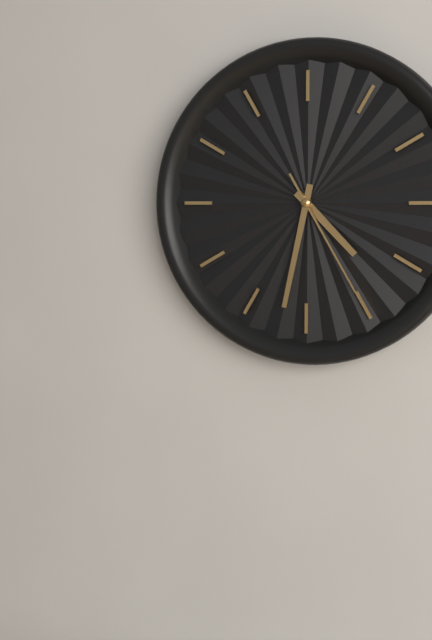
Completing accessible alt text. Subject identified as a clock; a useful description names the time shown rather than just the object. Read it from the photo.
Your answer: 4:32:25
